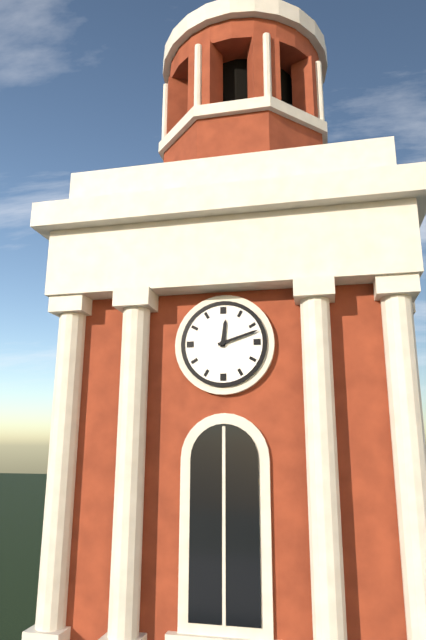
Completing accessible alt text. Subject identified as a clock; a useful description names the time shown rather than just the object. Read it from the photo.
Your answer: 12:12
